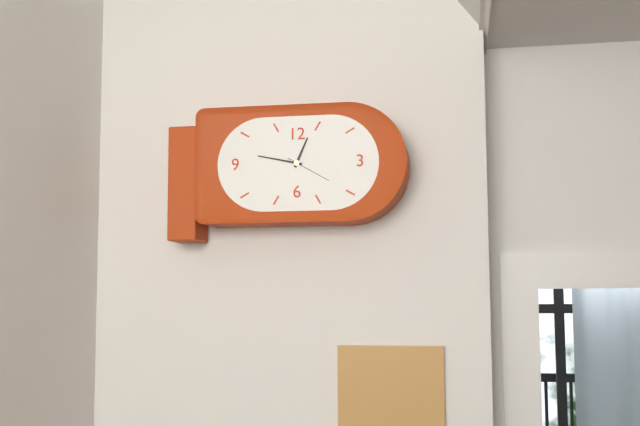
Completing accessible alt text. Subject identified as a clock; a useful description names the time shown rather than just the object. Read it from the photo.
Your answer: 12:47
